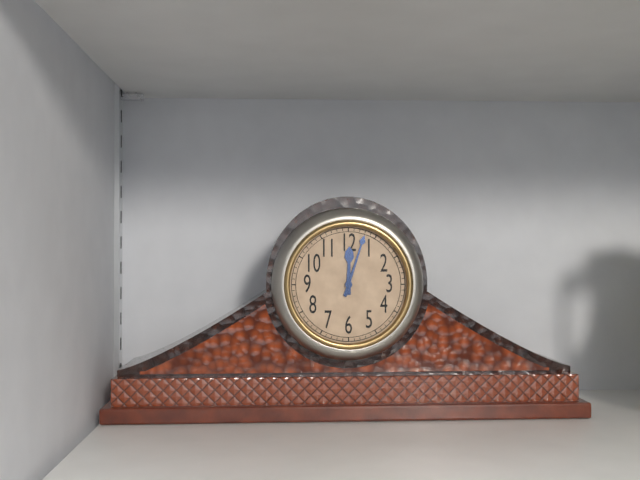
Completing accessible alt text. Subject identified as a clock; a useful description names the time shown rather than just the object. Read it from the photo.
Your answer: 12:03
